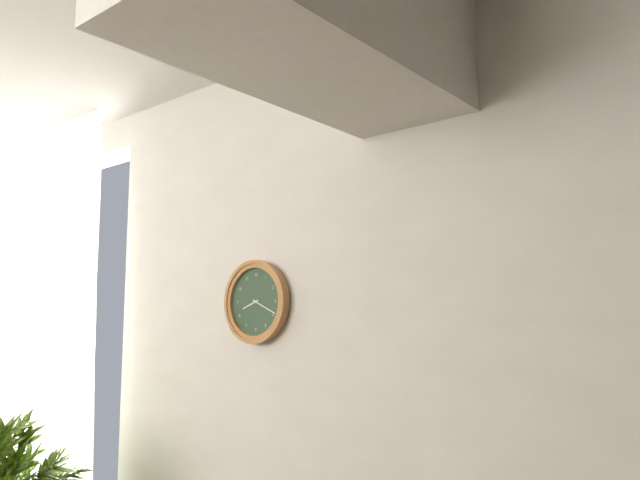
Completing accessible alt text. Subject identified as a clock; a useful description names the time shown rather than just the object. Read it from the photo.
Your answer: 8:19
